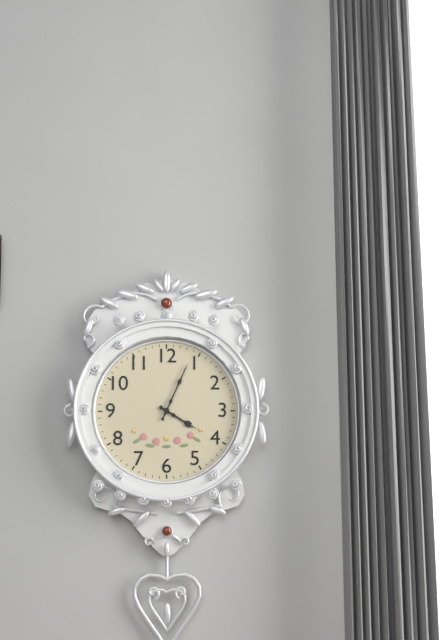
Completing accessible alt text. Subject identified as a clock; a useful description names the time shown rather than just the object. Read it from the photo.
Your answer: 4:04
